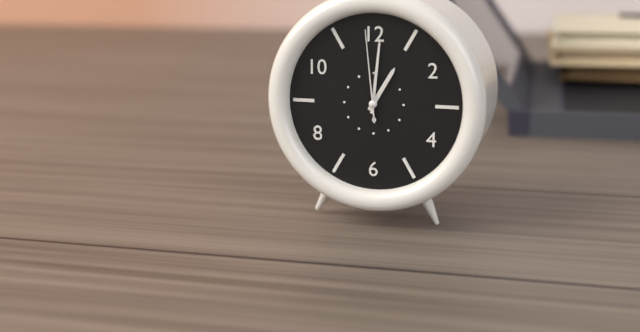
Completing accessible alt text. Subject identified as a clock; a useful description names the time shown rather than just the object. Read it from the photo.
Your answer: 1:01:59
